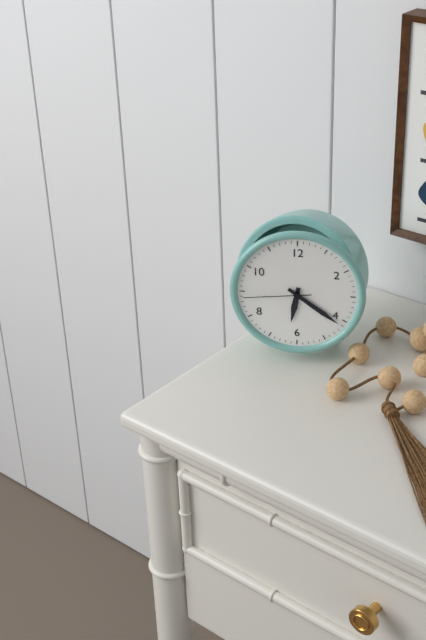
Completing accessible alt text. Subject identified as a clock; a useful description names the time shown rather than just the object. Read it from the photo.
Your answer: 6:21:44
